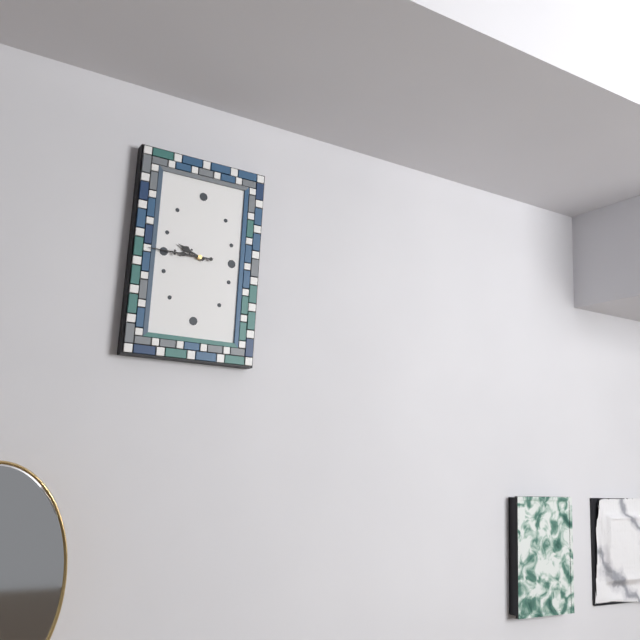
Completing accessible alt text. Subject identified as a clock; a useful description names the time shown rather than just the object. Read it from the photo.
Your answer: 9:45
